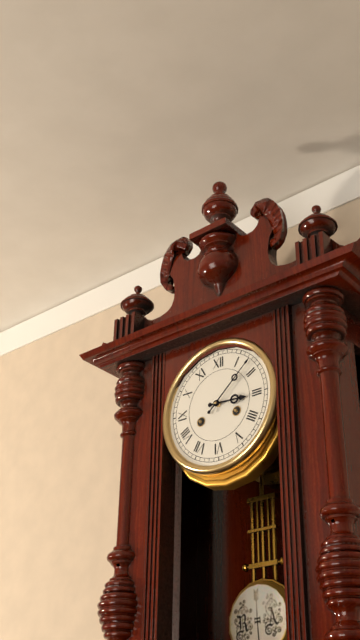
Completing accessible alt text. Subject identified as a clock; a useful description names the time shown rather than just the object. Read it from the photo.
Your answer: 3:08
